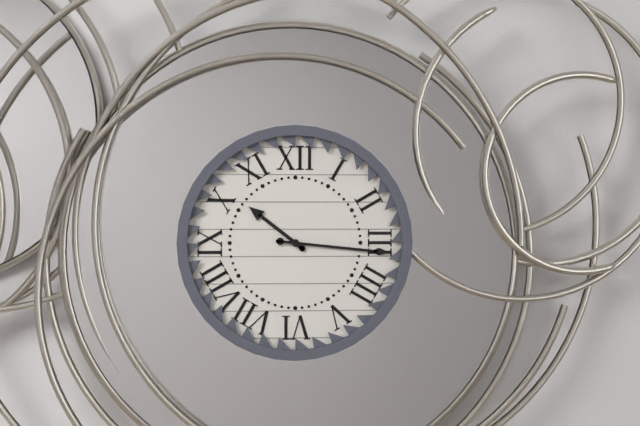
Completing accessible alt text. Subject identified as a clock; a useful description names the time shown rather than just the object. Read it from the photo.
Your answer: 10:16
